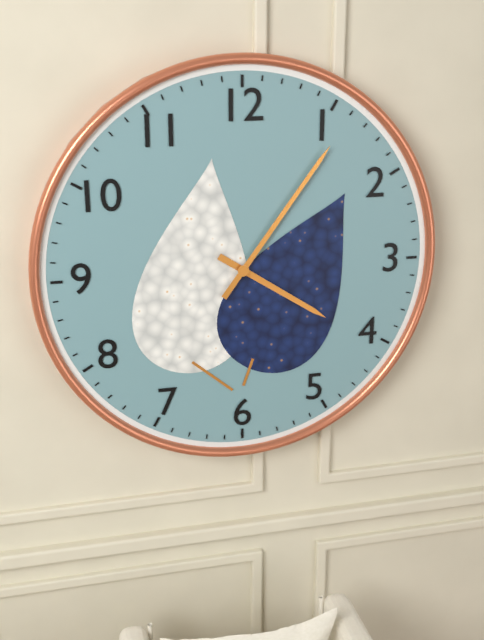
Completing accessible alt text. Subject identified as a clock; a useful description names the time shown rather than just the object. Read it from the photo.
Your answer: 4:06
